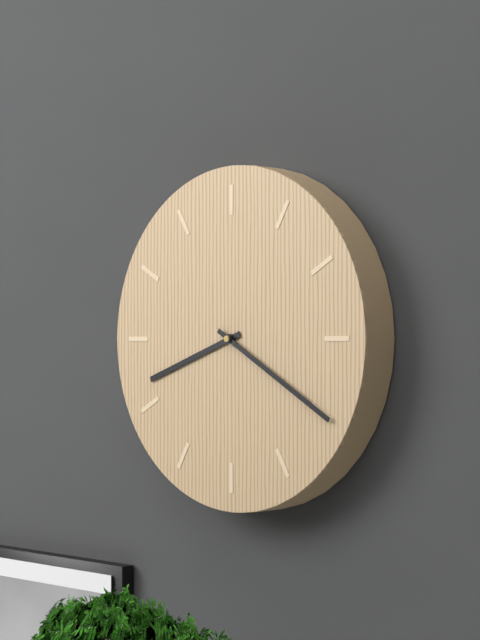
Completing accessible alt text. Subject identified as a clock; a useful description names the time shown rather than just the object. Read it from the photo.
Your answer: 8:20
